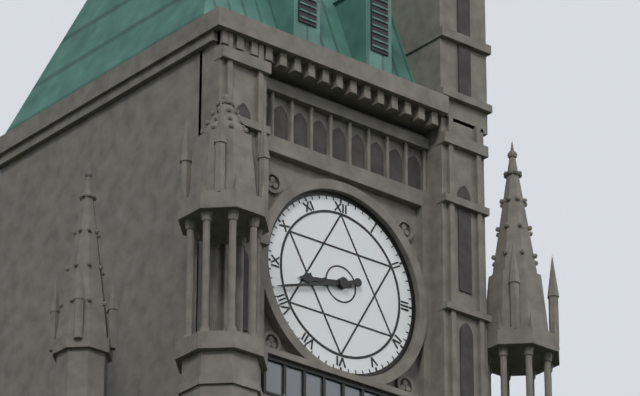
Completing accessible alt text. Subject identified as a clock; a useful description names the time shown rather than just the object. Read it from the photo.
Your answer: 8:42
